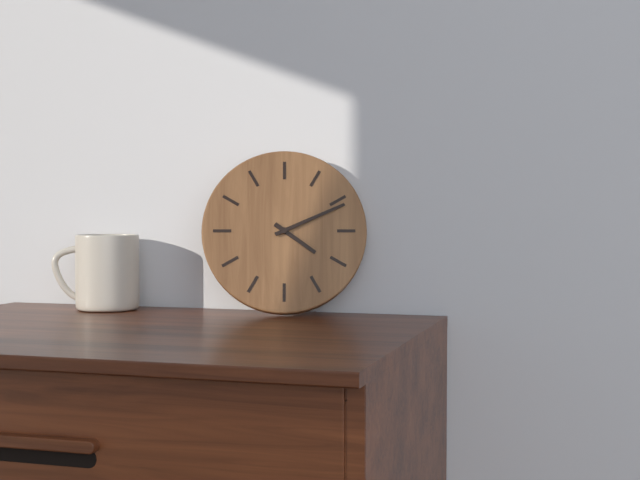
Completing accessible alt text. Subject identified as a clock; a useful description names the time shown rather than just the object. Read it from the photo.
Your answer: 4:11
